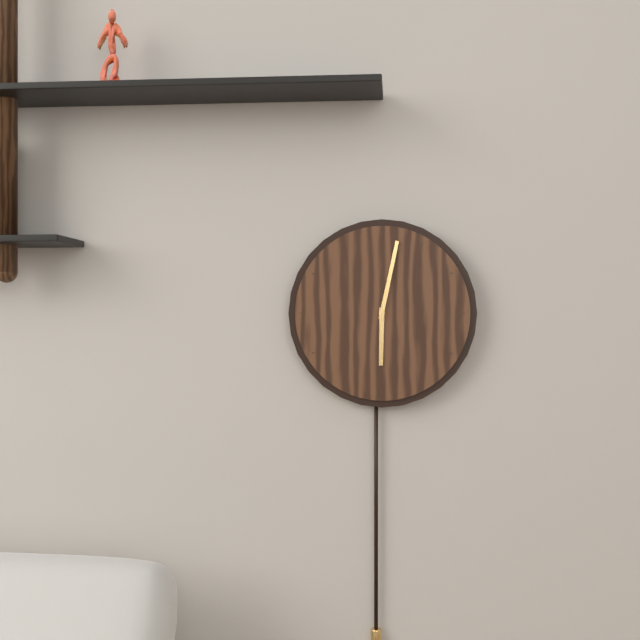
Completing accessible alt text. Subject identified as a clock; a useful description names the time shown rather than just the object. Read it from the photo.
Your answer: 6:02
